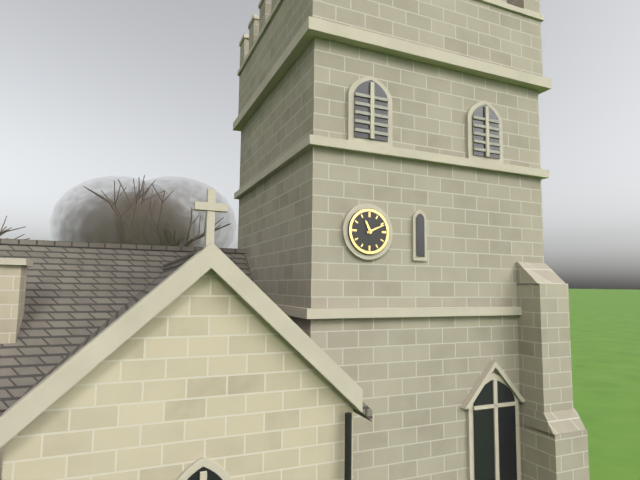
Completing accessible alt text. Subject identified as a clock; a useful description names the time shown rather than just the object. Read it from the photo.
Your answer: 11:11
